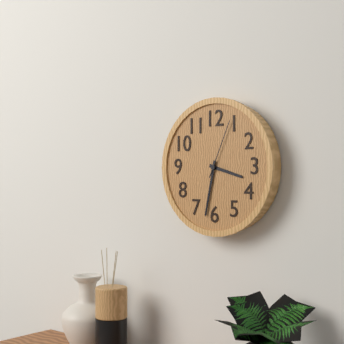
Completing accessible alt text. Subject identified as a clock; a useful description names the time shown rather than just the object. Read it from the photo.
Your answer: 3:32:04
